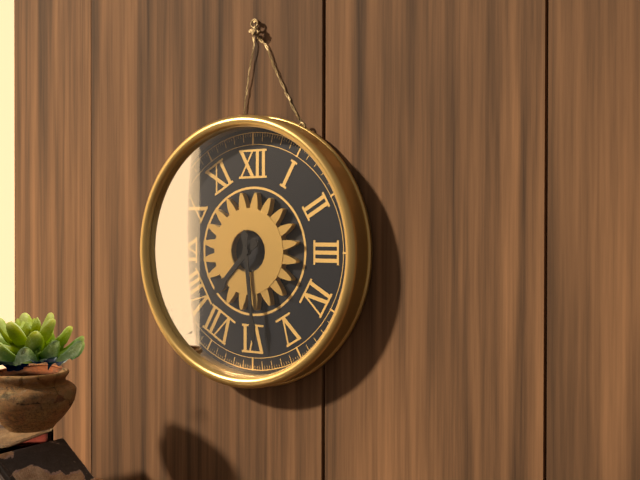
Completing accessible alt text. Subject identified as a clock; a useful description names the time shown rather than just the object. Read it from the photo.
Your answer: 7:29
